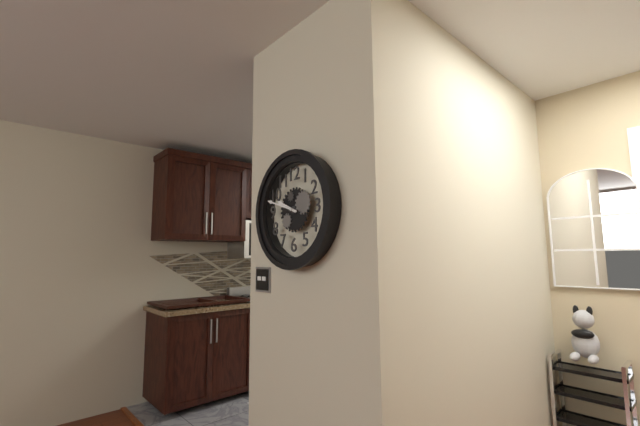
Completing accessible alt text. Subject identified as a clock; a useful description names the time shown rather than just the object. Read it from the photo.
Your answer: 9:48
